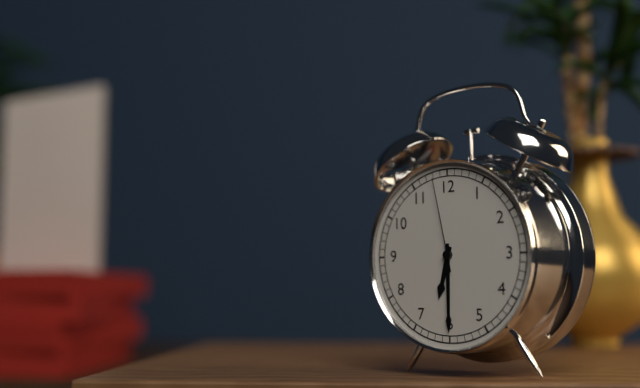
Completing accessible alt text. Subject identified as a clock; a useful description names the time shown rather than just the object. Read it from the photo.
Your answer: 6:30:58
